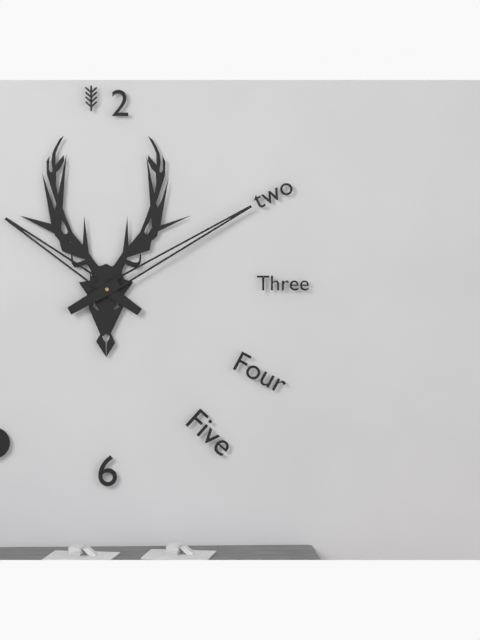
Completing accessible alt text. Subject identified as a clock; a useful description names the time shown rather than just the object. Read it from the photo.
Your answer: 10:10
